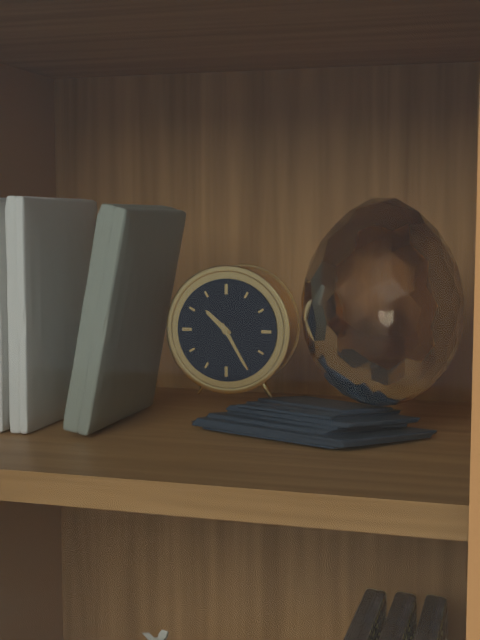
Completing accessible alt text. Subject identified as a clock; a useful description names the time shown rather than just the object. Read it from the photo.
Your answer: 10:25
